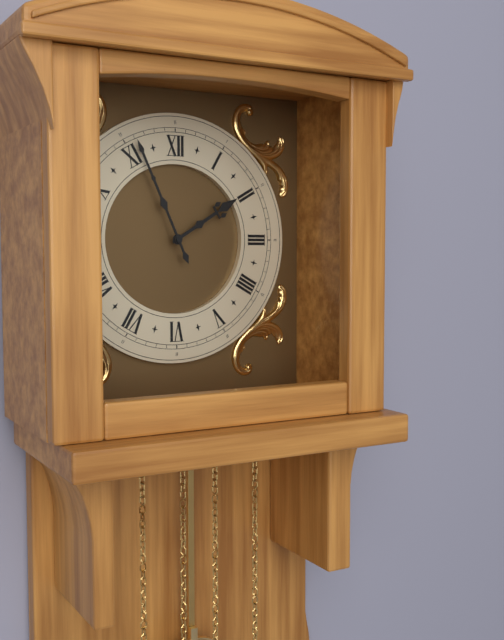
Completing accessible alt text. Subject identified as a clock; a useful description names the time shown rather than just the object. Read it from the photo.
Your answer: 1:56
